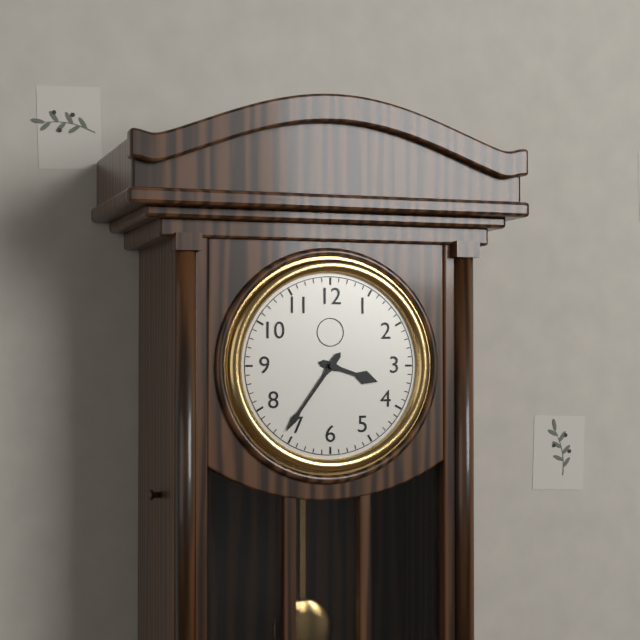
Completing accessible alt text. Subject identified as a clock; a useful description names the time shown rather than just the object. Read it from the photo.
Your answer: 3:36
